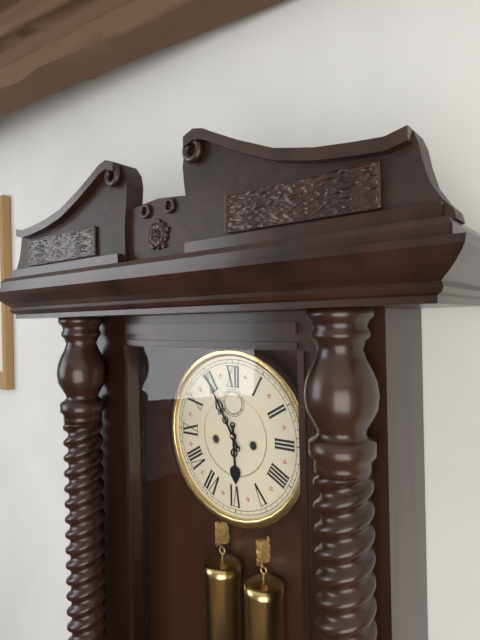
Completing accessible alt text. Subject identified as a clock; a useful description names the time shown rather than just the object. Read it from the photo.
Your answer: 5:55
